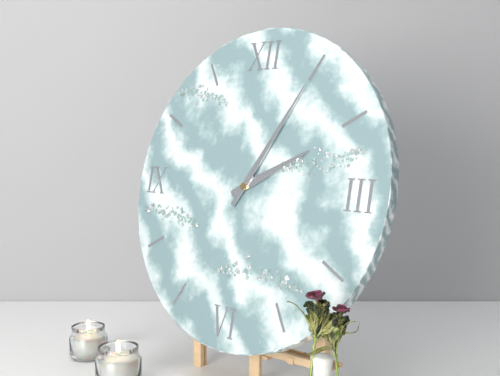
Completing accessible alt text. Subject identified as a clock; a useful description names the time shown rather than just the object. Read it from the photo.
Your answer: 2:05
